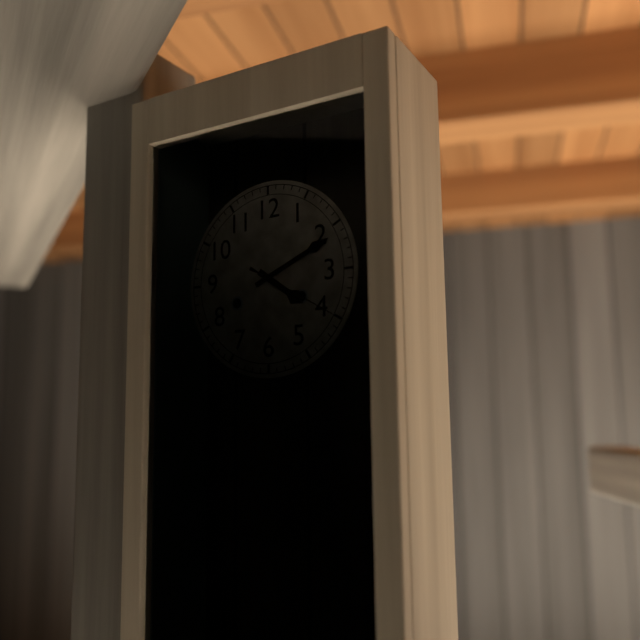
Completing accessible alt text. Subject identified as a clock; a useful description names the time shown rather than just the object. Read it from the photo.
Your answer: 4:11:20
